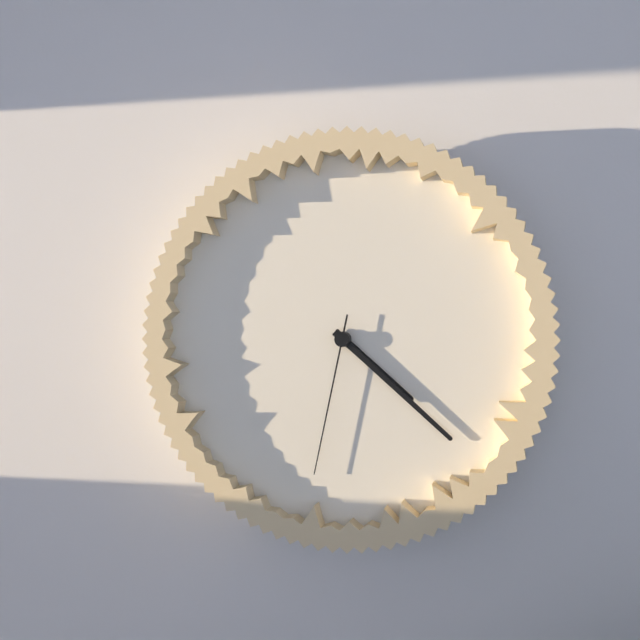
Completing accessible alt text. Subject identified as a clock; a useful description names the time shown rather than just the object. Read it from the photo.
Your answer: 4:22:32
